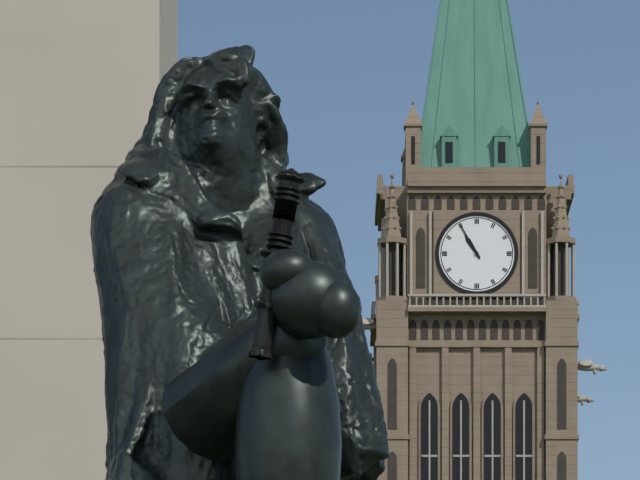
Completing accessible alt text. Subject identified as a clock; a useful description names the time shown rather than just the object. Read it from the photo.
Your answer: 10:55
